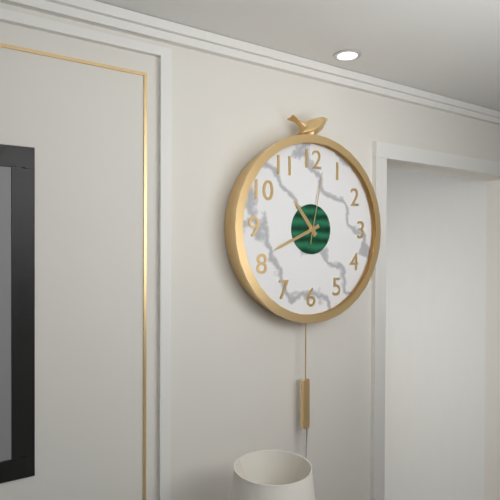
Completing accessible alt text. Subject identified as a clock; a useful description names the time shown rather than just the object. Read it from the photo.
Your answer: 10:41:02
